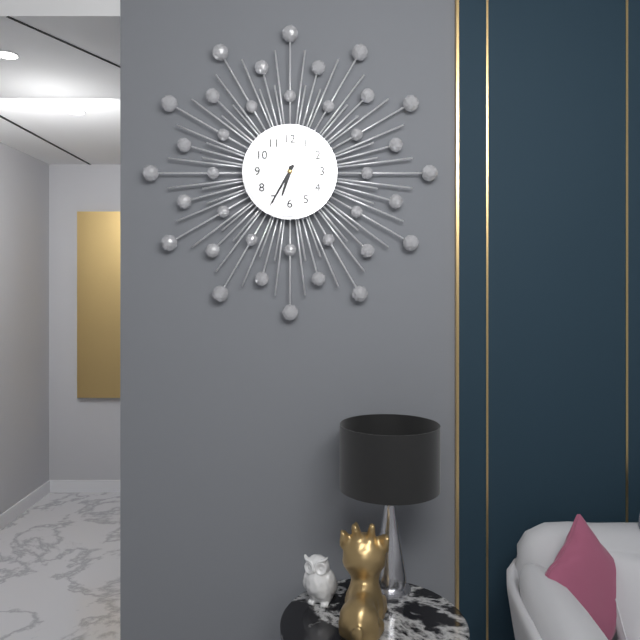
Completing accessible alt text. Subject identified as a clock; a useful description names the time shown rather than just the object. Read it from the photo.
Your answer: 6:35
